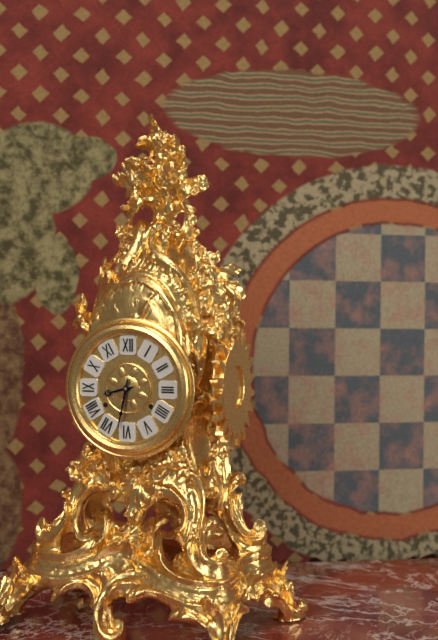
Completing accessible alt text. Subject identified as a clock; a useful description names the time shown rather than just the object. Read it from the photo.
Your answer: 8:32
